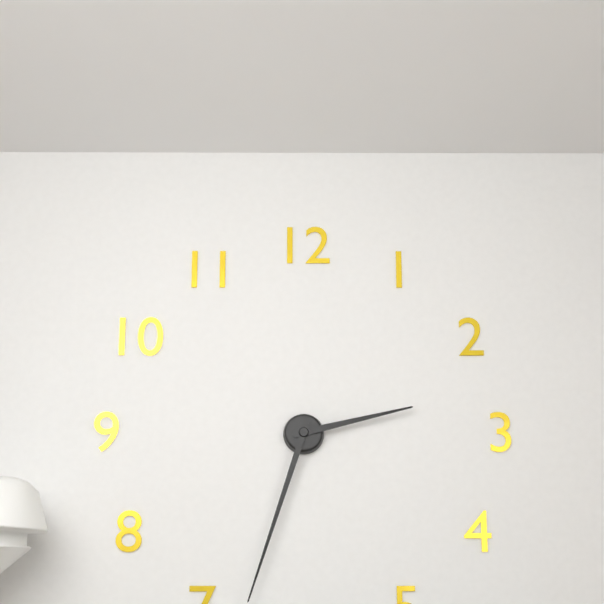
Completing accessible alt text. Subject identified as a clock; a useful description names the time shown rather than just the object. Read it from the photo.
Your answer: 2:33
